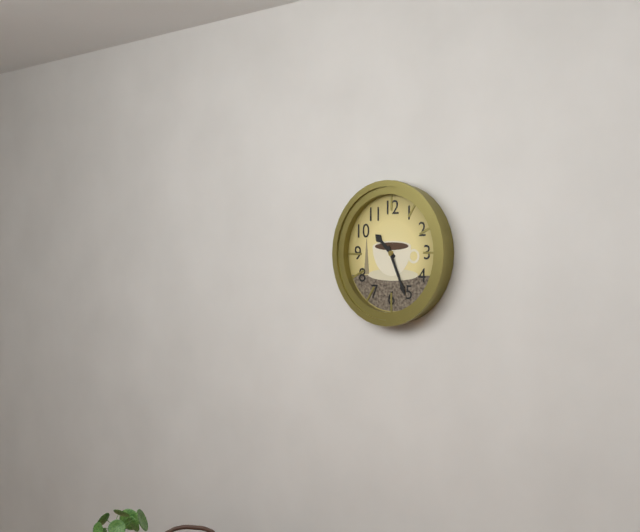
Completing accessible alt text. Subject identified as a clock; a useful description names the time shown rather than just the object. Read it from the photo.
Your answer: 10:26
